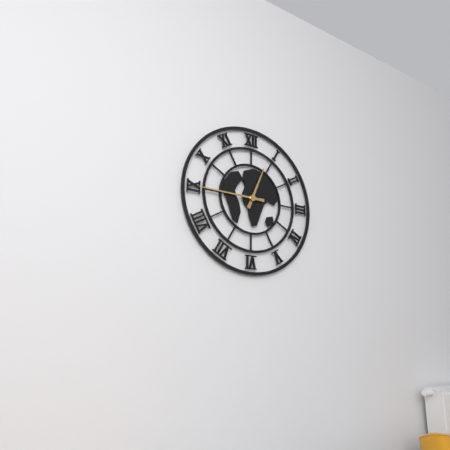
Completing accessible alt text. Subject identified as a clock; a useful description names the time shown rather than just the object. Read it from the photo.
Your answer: 12:45
